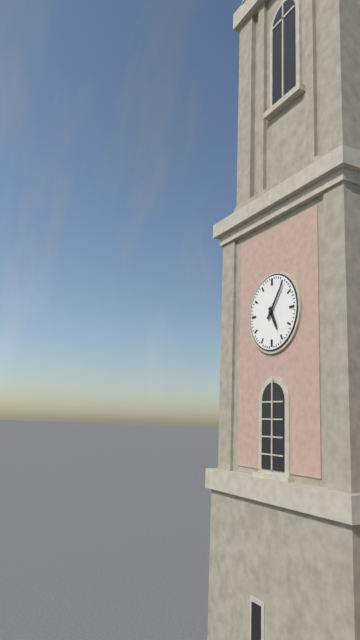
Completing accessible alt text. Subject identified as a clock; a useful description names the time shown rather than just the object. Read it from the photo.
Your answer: 5:06
